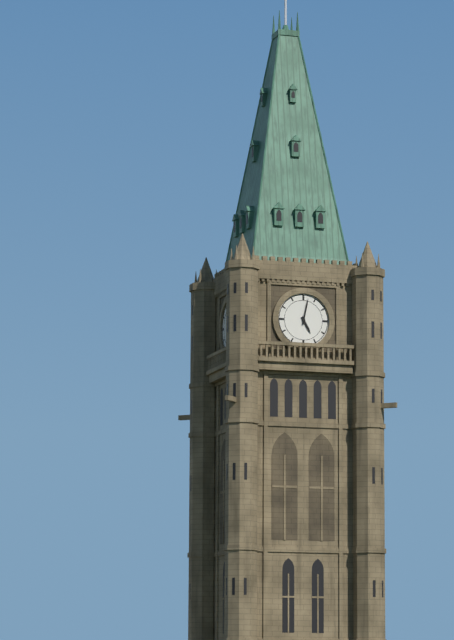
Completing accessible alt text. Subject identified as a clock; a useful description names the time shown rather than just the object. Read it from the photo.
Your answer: 5:02
